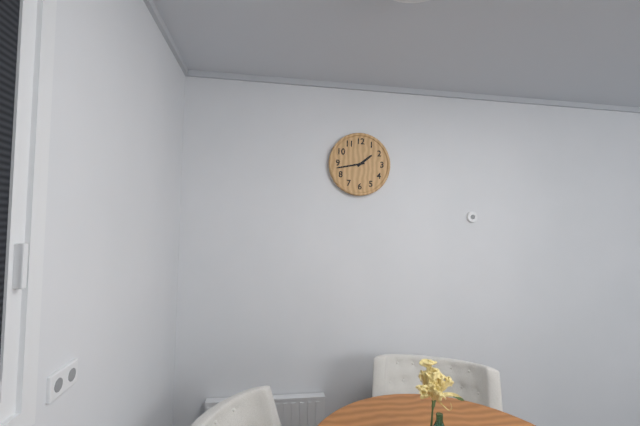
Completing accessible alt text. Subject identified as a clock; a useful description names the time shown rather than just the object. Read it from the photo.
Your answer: 1:43
